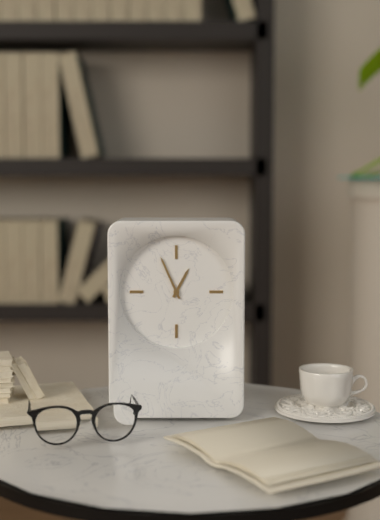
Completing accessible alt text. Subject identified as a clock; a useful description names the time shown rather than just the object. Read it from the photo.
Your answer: 12:56
